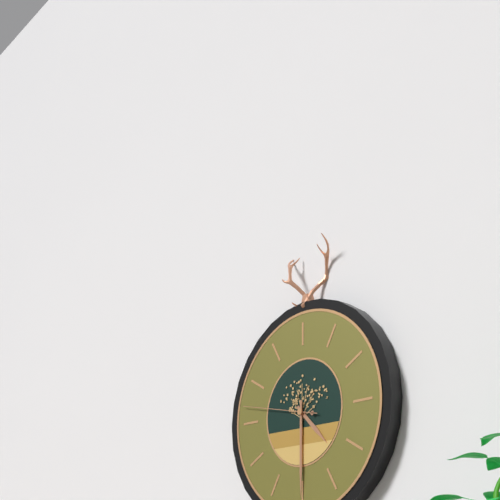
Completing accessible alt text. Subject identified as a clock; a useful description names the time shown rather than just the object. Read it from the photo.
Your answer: 4:30:47
